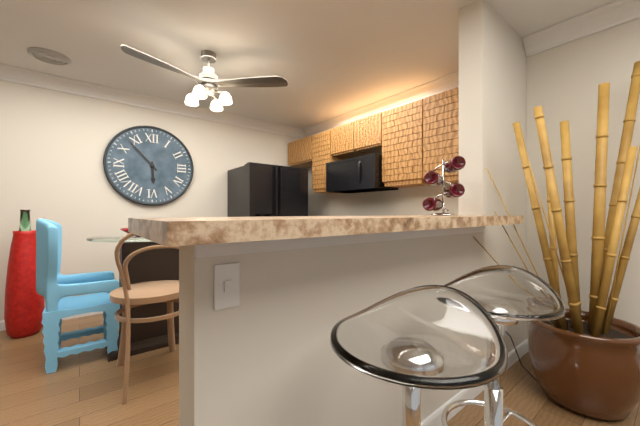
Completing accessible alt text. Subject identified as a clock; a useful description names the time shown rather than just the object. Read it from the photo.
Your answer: 5:53
